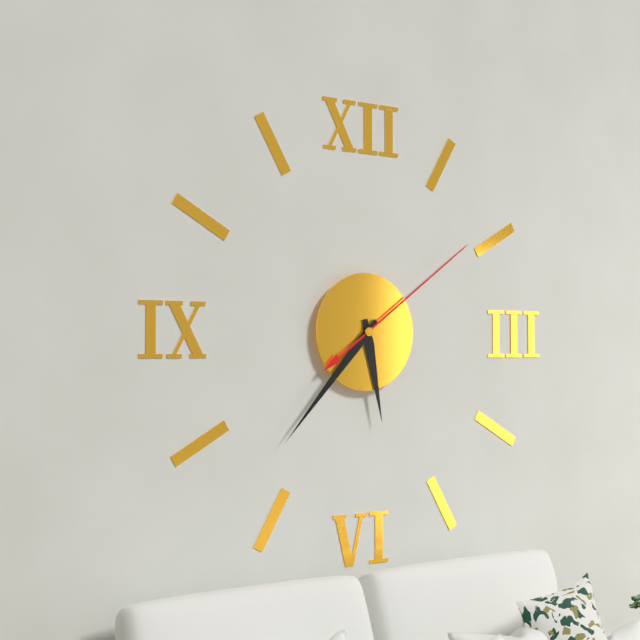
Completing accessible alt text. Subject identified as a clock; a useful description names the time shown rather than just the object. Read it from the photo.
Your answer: 5:37:09
